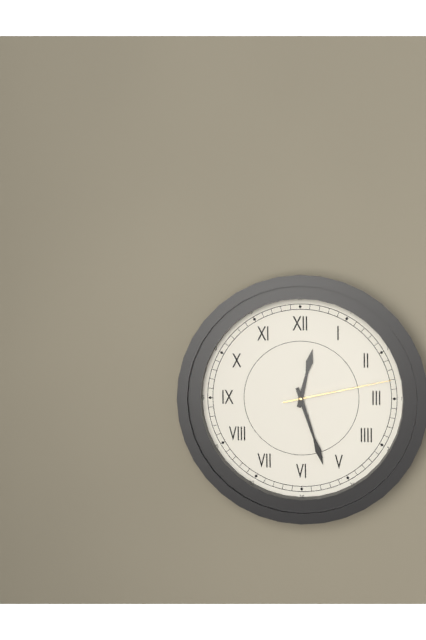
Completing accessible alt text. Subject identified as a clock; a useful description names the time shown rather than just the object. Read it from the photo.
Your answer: 12:27:13
